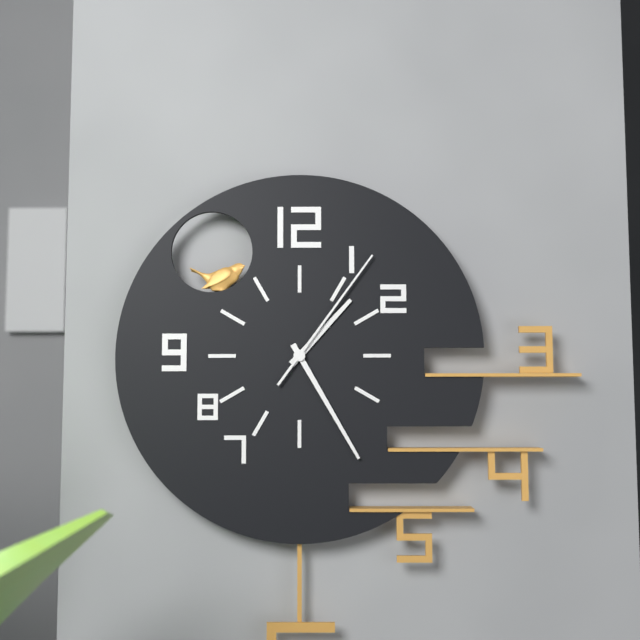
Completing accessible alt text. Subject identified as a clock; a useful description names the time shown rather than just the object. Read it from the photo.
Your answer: 1:25:06
